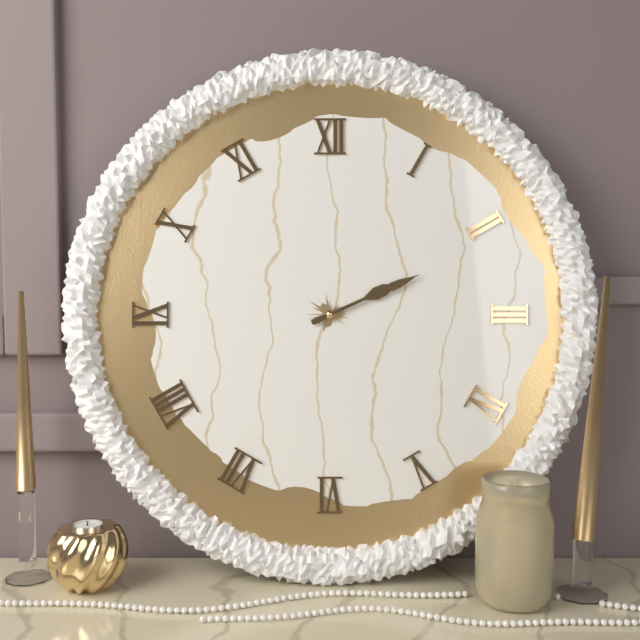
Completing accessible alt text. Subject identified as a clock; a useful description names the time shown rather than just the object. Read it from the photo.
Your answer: 2:11
